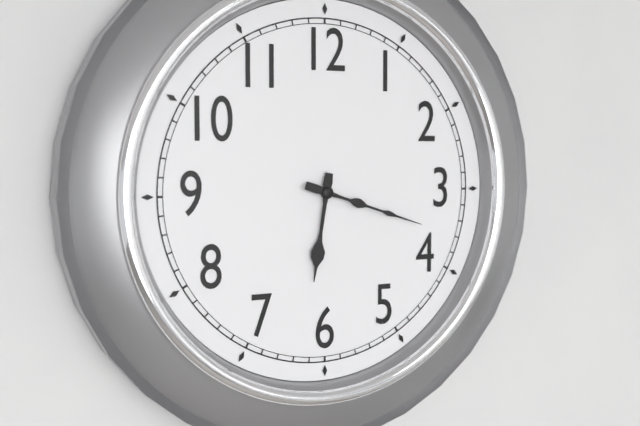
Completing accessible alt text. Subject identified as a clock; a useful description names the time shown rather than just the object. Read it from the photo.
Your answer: 6:18
